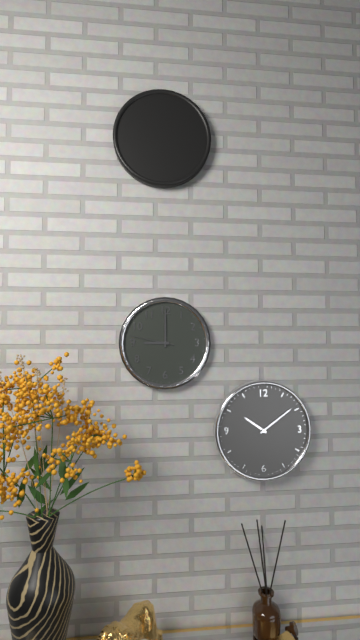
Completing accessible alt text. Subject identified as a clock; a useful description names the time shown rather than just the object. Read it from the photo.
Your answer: 9:00
